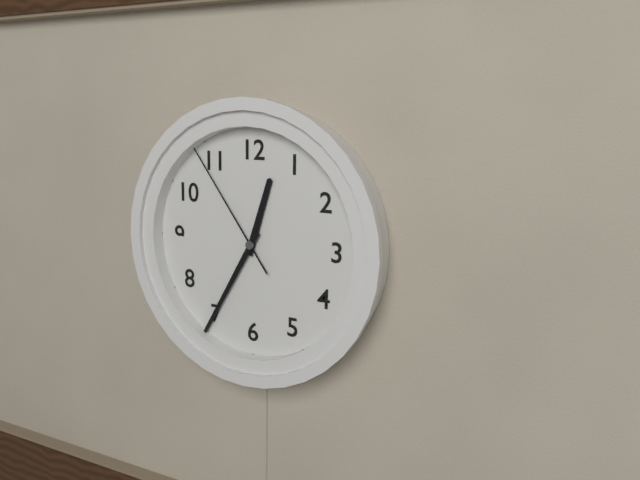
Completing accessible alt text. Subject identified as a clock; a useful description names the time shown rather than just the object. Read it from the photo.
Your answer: 12:35:54
